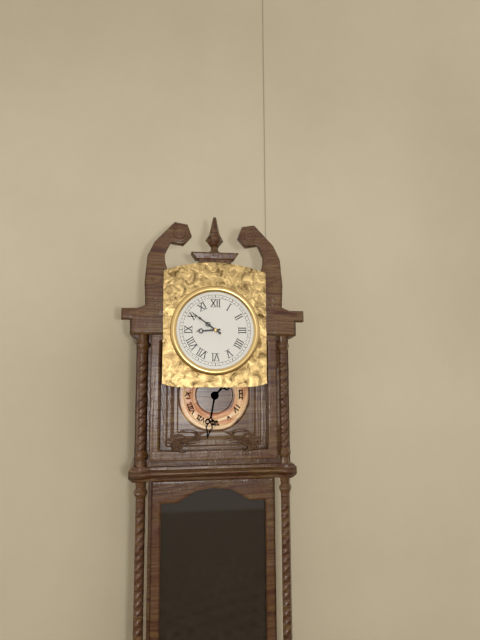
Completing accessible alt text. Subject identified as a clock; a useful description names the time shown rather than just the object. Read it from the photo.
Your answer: 8:51
